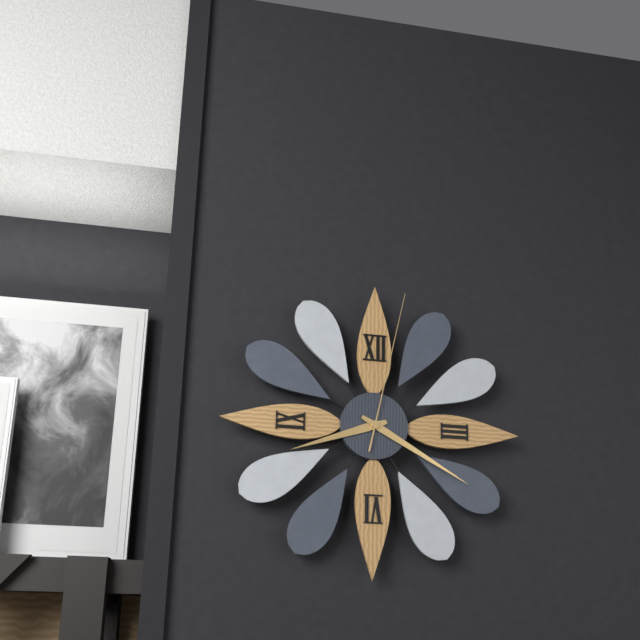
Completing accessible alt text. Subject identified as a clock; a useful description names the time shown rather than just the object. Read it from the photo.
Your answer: 8:20:02
